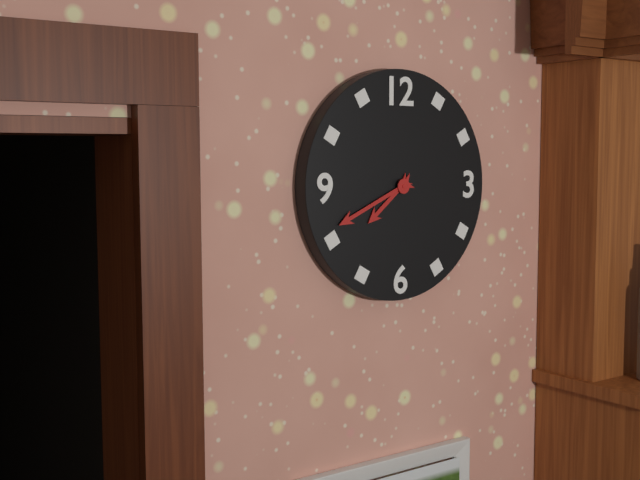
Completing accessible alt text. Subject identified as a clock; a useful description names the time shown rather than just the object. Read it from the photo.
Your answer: 7:41
